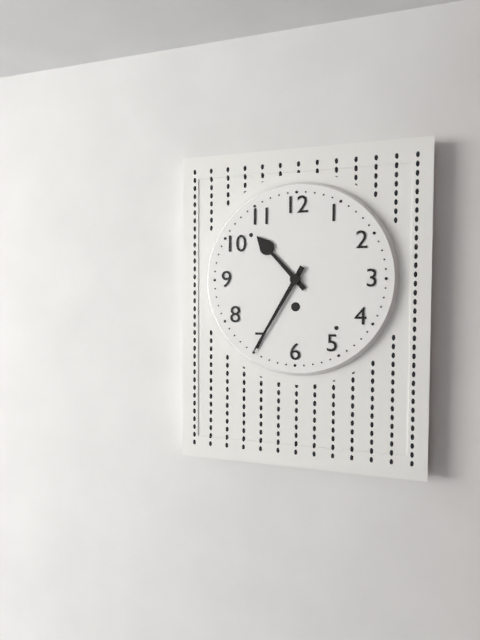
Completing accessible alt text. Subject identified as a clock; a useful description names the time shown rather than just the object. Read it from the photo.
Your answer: 10:35
